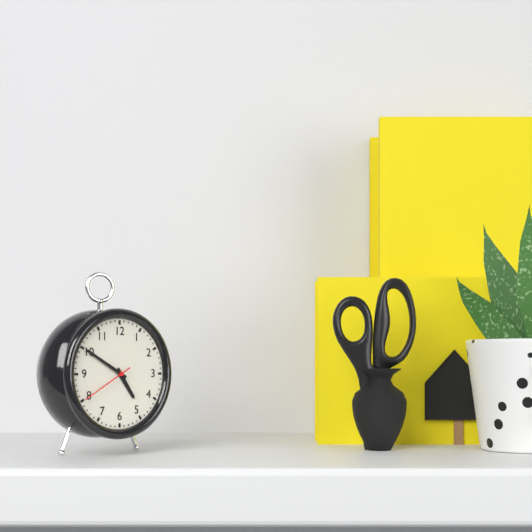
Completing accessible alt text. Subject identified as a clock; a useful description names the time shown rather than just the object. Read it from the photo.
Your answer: 4:50:40
